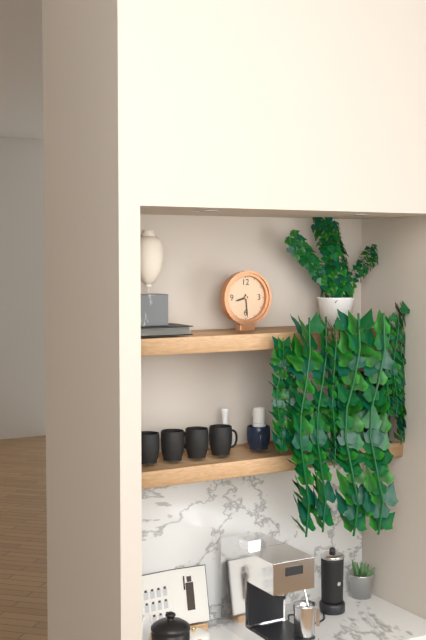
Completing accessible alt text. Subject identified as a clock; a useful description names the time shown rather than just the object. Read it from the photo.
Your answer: 8:29
